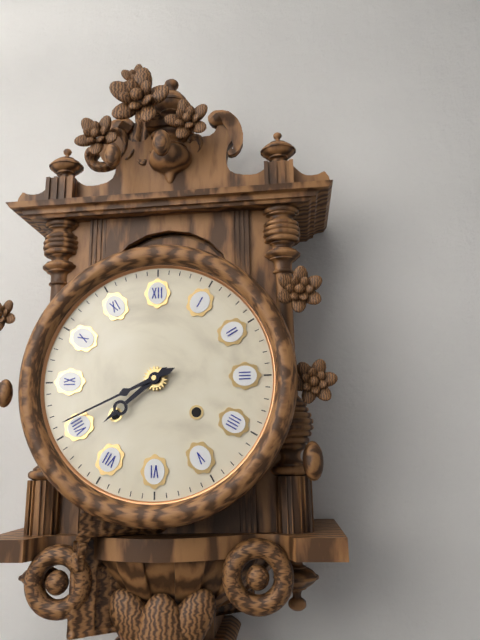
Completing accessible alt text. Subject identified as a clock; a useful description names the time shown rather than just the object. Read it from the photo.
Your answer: 7:41
